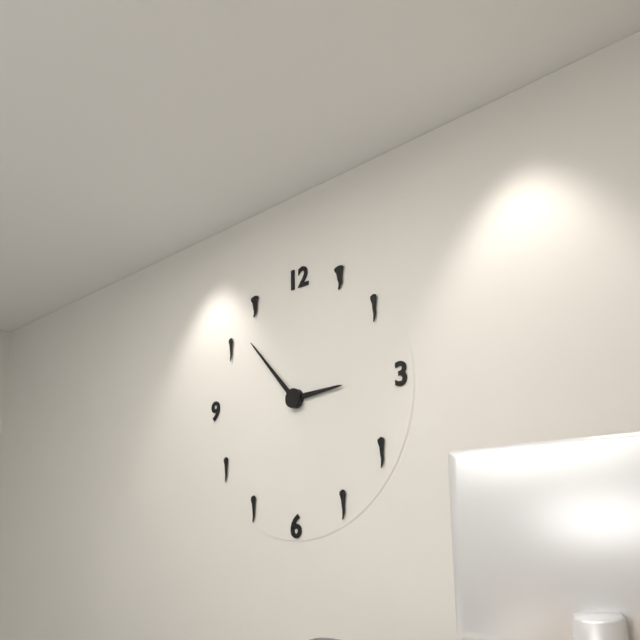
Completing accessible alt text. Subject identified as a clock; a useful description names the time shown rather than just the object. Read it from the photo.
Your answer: 2:53
